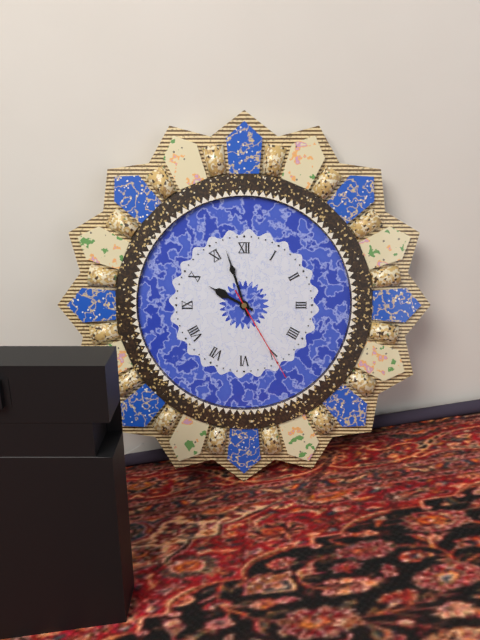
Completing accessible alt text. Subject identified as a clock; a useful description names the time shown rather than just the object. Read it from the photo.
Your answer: 9:57:25
